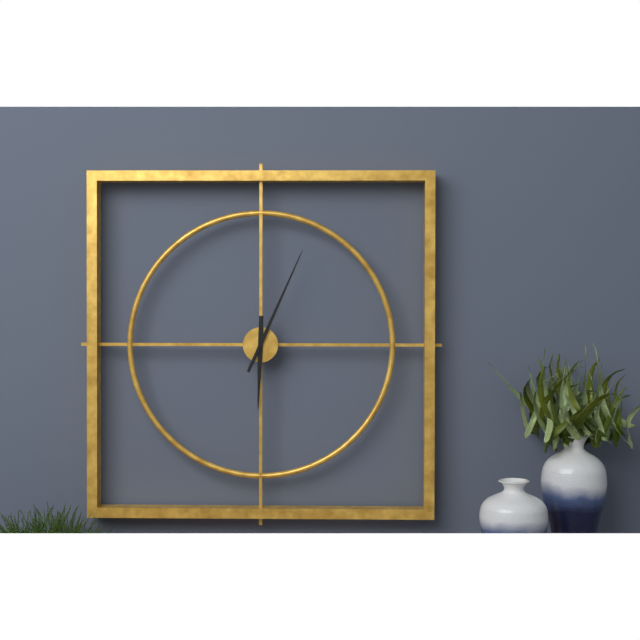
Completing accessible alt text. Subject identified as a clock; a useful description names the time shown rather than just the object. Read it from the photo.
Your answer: 6:04
